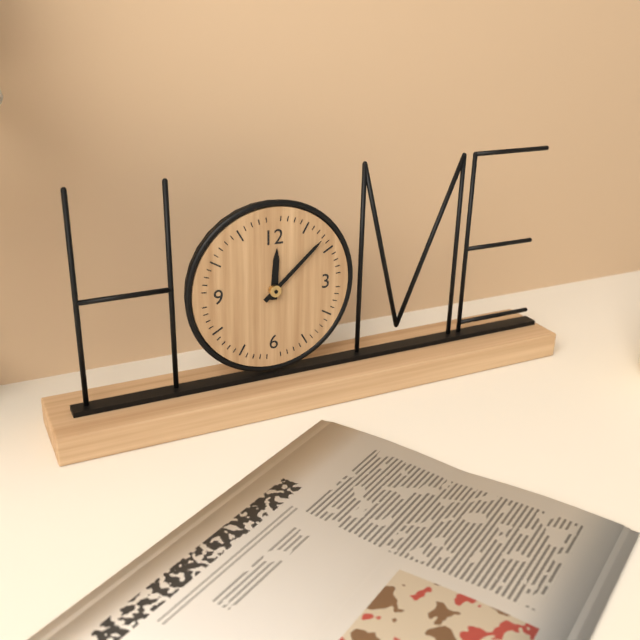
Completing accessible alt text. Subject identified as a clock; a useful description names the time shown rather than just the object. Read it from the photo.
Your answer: 12:08
